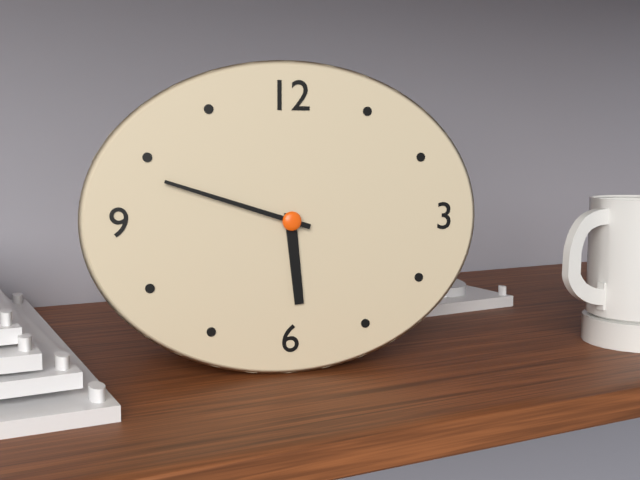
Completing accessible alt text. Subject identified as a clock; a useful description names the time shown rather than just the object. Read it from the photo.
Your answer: 5:48
